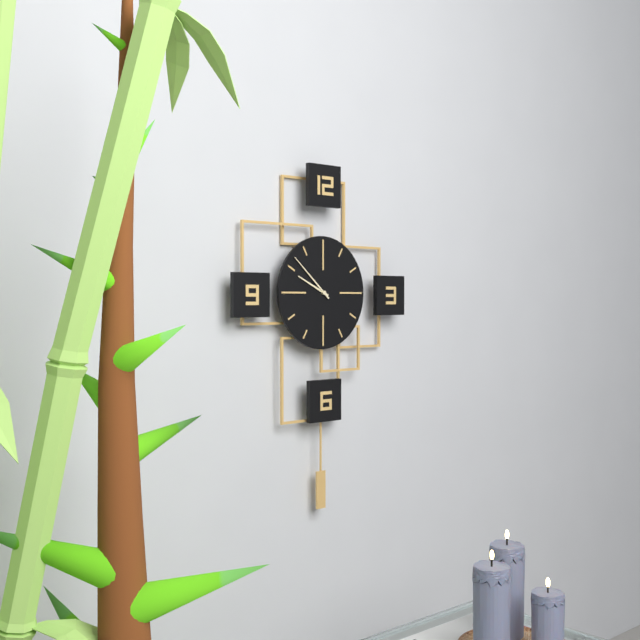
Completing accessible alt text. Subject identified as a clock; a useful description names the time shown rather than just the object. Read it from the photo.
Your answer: 9:52
